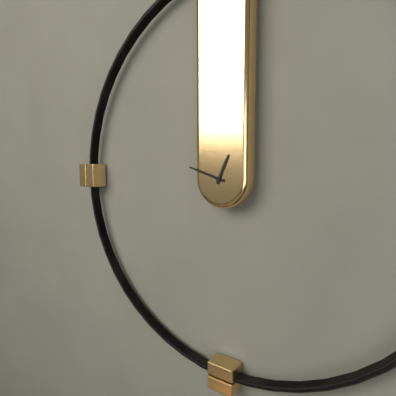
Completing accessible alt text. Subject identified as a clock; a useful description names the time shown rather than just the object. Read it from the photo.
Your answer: 12:48
